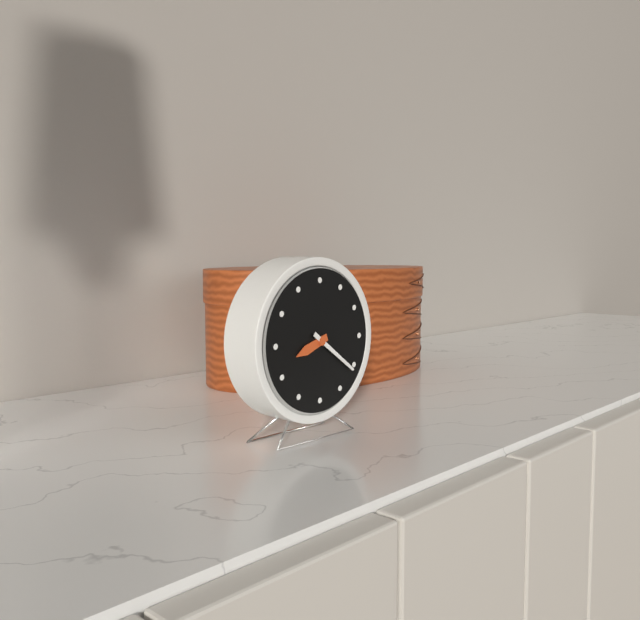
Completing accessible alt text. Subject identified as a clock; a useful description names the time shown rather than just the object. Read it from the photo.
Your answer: 8:21
